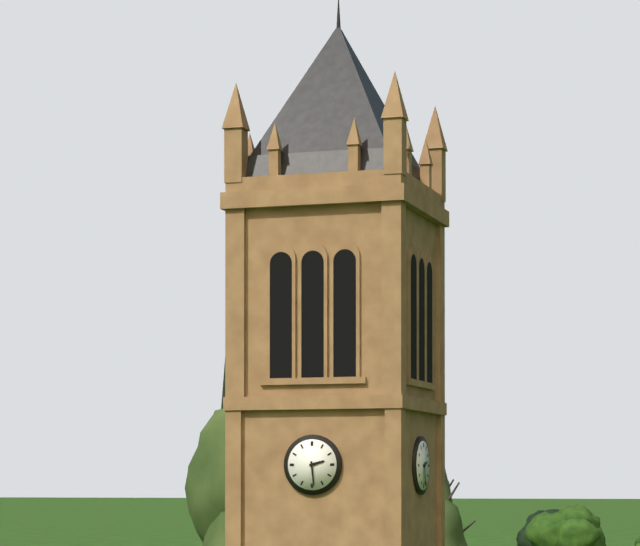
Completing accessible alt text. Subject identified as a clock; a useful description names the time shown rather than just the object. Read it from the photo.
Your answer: 2:29
